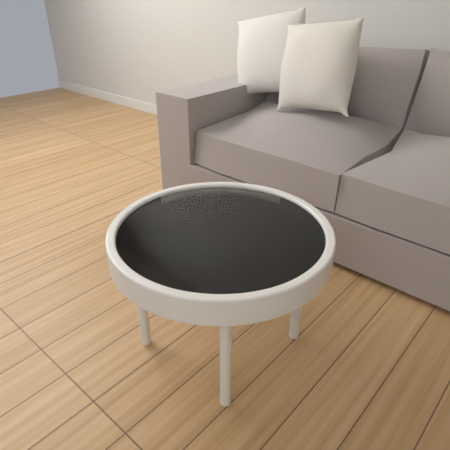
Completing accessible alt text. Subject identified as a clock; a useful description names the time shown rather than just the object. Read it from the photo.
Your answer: 7:14
